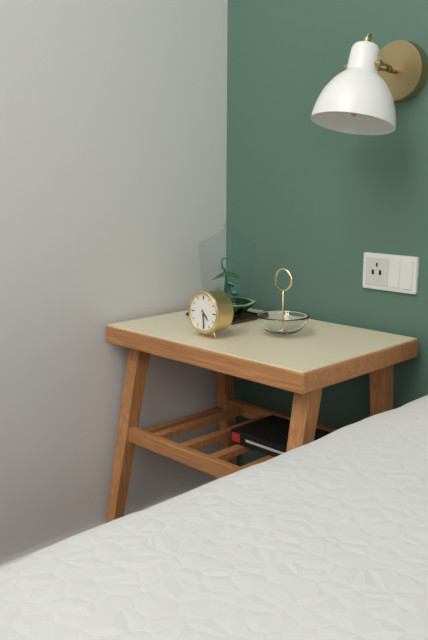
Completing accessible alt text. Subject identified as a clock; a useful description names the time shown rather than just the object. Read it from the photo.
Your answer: 4:29
